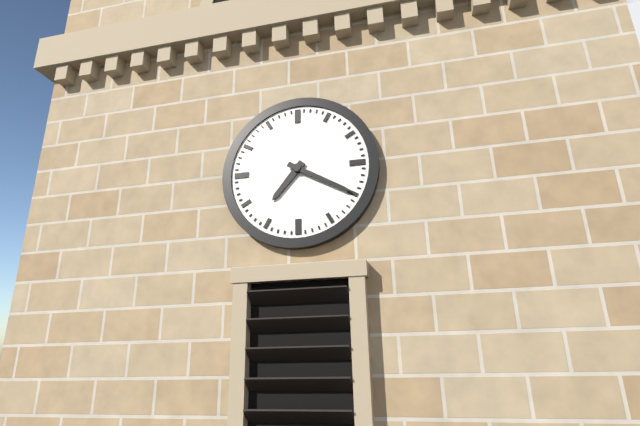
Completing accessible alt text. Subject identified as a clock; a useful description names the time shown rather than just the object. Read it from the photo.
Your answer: 7:20
